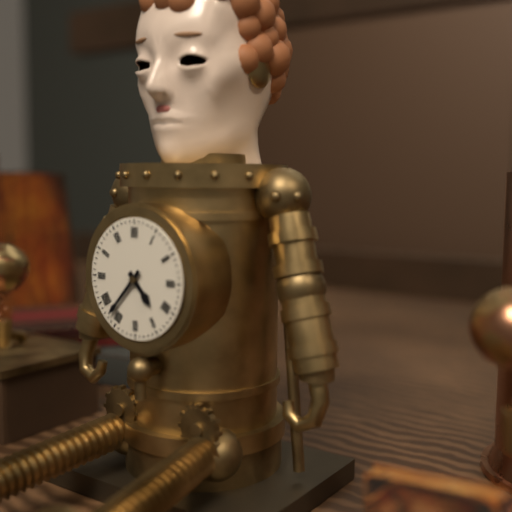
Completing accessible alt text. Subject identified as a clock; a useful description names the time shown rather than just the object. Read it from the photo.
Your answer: 4:37
